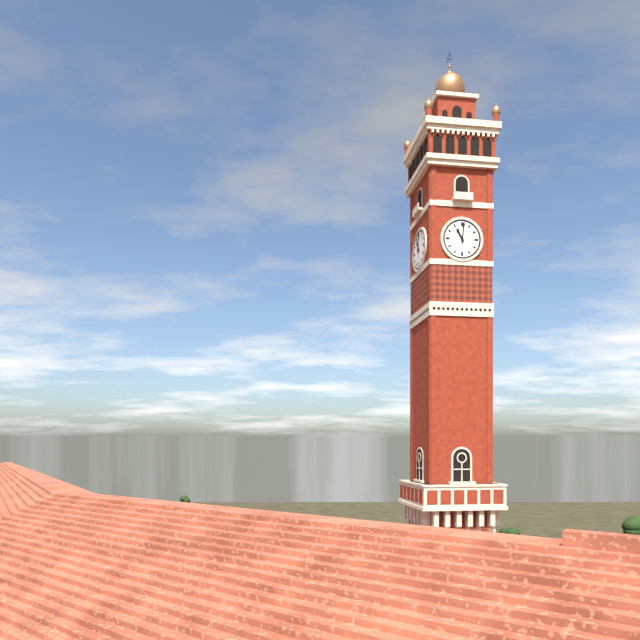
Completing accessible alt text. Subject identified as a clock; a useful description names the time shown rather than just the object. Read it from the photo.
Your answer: 11:01
